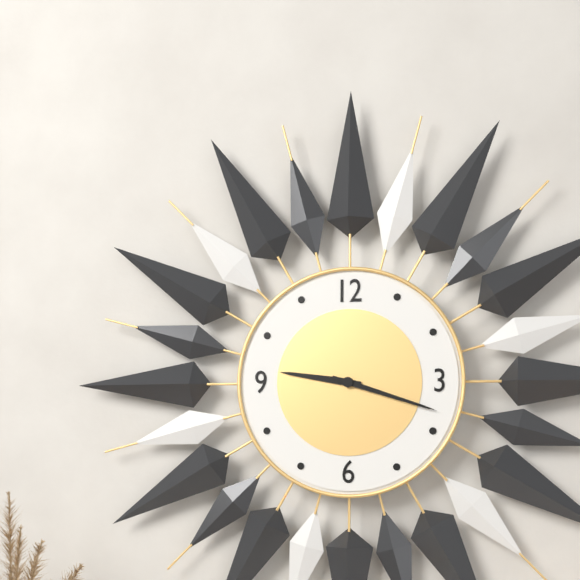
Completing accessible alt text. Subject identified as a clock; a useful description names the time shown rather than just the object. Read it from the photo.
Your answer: 9:18
